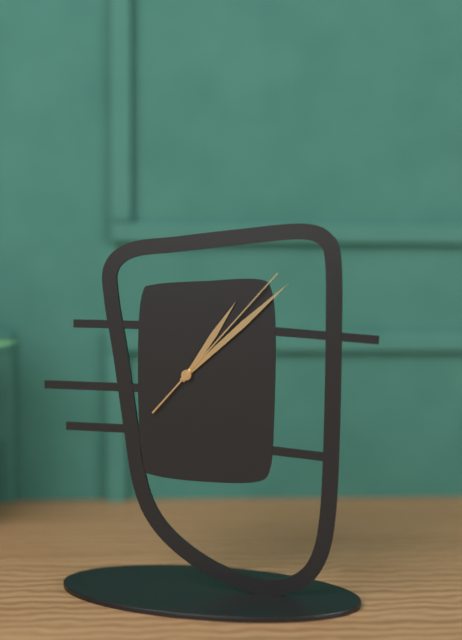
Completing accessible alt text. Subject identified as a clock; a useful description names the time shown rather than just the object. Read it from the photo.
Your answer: 1:08:07
